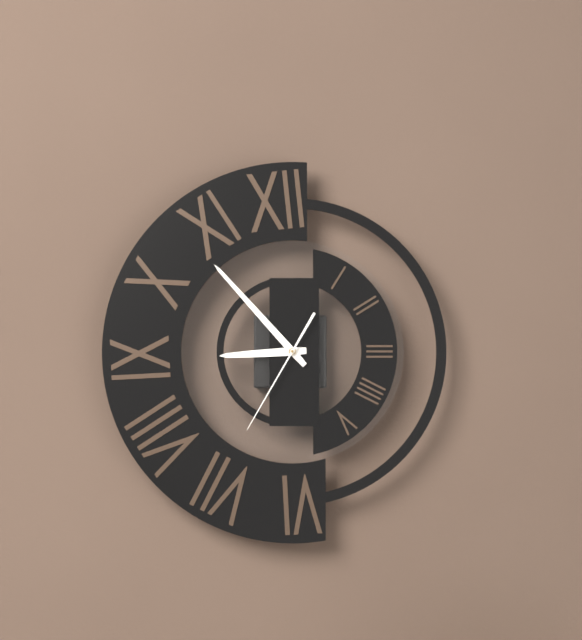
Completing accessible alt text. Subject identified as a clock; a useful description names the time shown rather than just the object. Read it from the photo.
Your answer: 8:53:35
